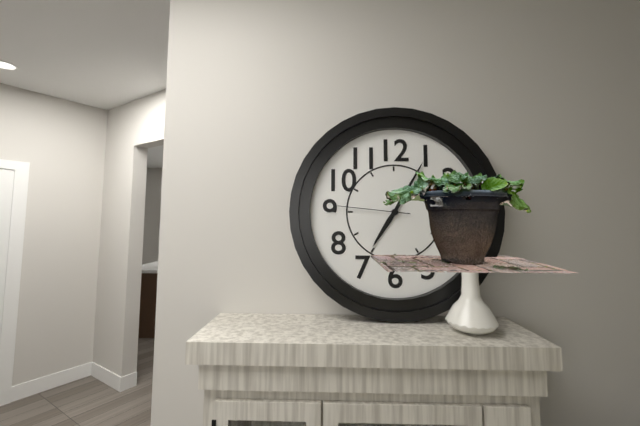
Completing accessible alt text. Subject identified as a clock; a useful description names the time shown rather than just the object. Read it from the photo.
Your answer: 7:05:46
